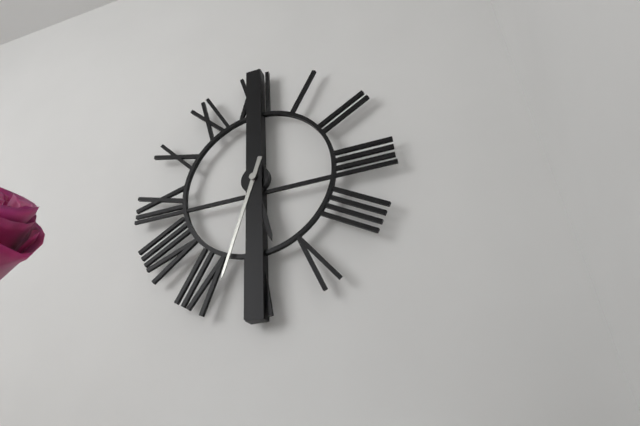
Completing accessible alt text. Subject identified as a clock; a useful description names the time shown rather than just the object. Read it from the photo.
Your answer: 5:33
